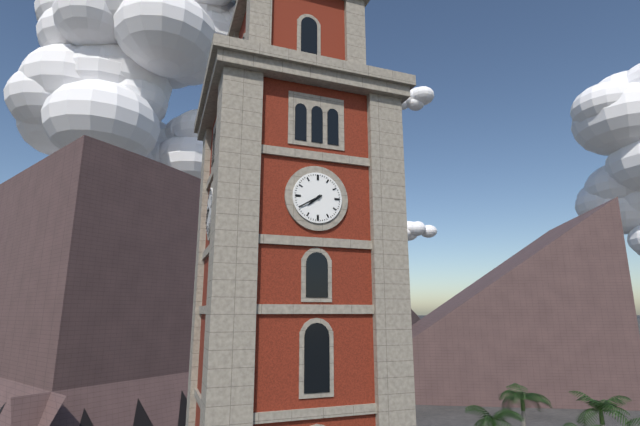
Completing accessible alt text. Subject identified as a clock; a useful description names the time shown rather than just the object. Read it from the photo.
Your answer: 7:40
